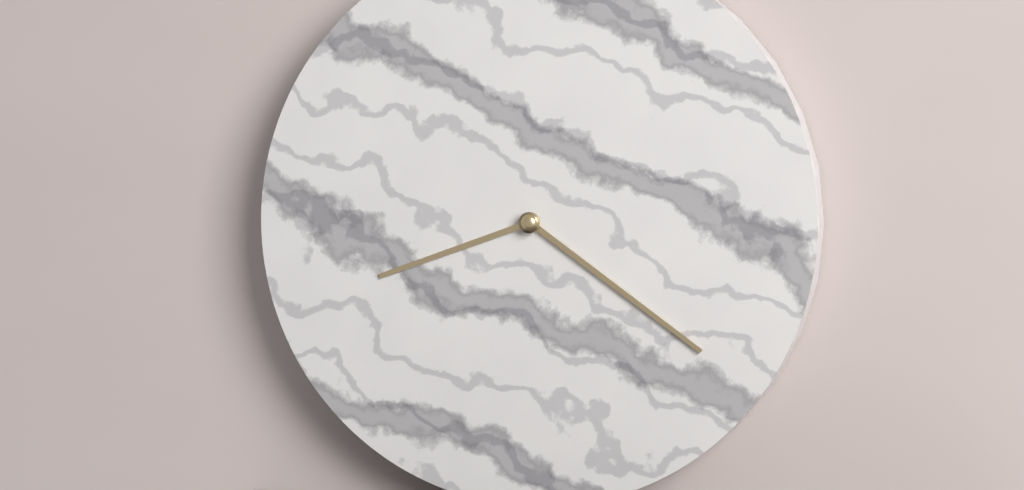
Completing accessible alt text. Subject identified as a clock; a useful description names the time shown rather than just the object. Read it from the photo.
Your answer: 8:21
